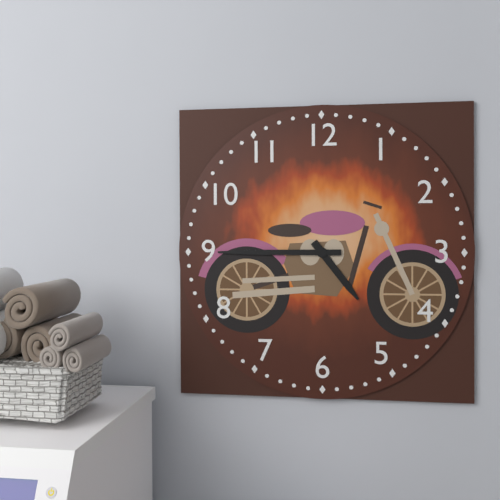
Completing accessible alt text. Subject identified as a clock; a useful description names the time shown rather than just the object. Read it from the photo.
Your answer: 4:45
